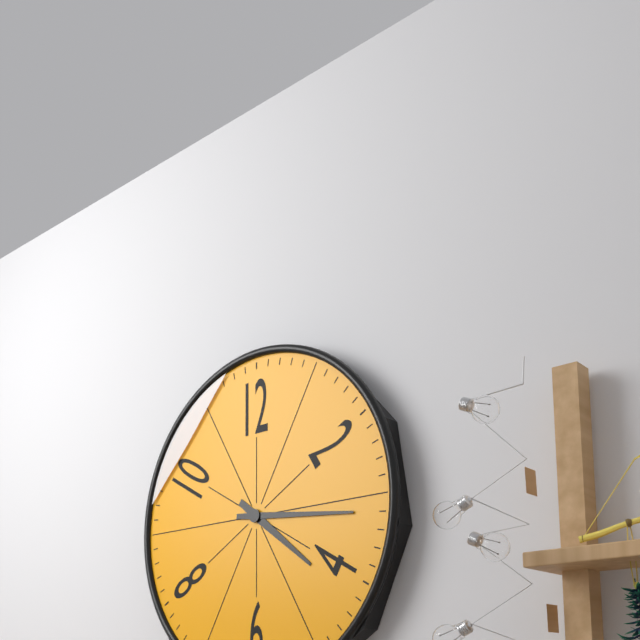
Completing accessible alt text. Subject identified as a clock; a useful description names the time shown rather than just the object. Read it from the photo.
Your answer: 4:16
